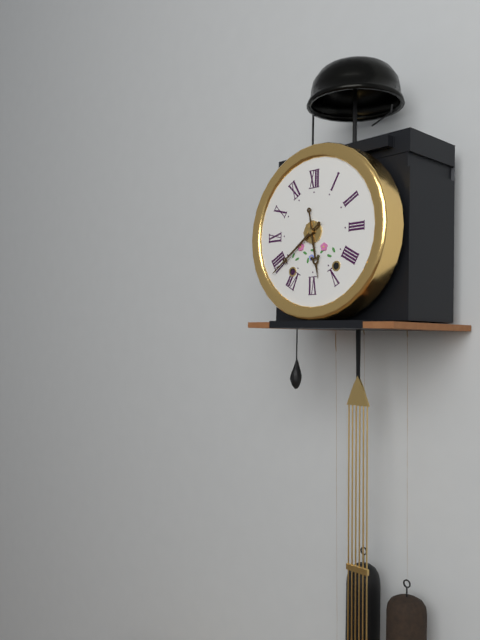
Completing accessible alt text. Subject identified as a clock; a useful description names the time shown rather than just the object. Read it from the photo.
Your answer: 5:39
